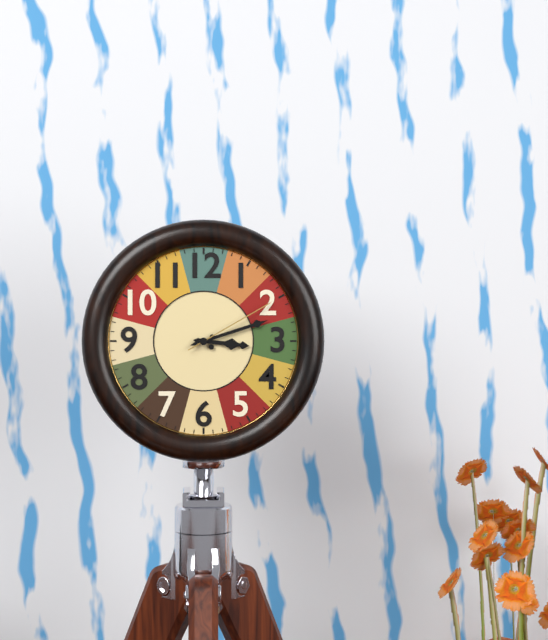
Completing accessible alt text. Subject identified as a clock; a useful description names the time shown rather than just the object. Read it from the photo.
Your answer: 3:12:10
